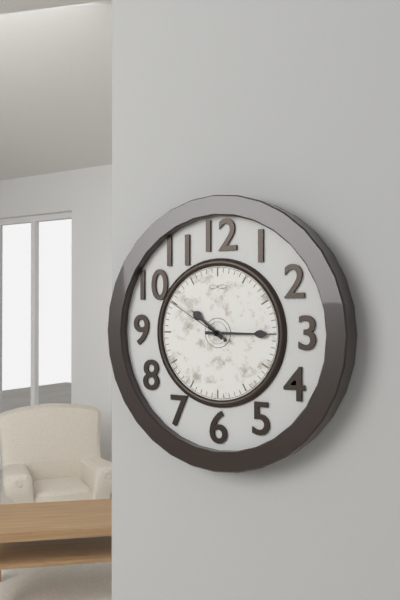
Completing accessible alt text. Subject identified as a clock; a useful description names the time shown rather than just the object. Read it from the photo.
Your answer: 10:15:50
